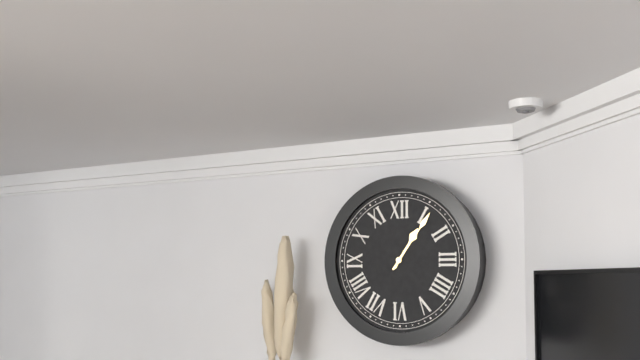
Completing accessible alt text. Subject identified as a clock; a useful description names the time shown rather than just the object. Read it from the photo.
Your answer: 1:06
